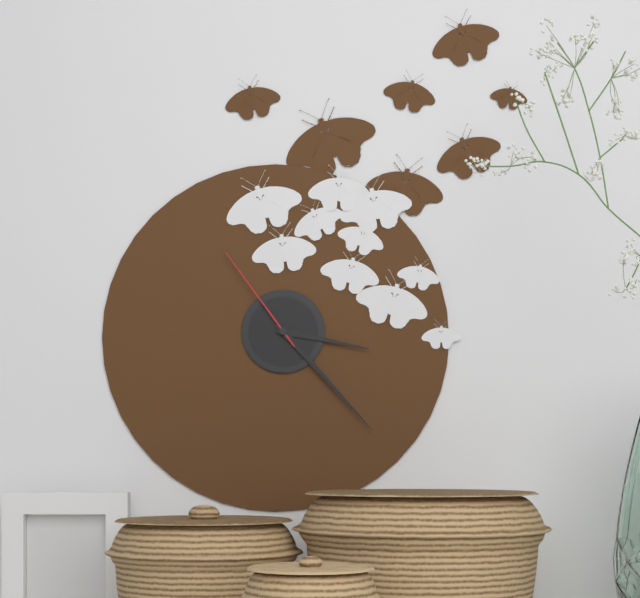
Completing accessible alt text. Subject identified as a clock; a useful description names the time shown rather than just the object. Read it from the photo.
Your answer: 3:23:54
